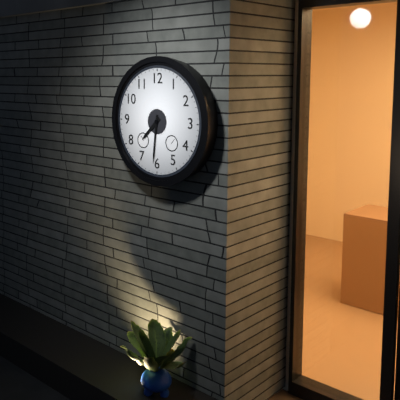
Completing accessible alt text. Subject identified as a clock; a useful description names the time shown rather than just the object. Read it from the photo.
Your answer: 7:31
